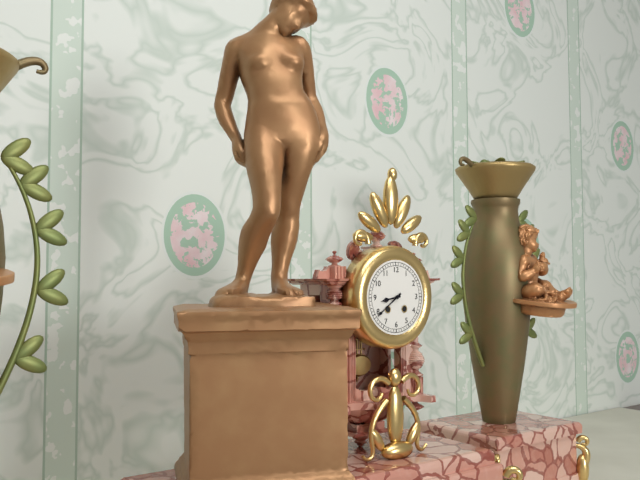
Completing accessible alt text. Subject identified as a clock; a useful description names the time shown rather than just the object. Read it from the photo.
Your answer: 8:39
